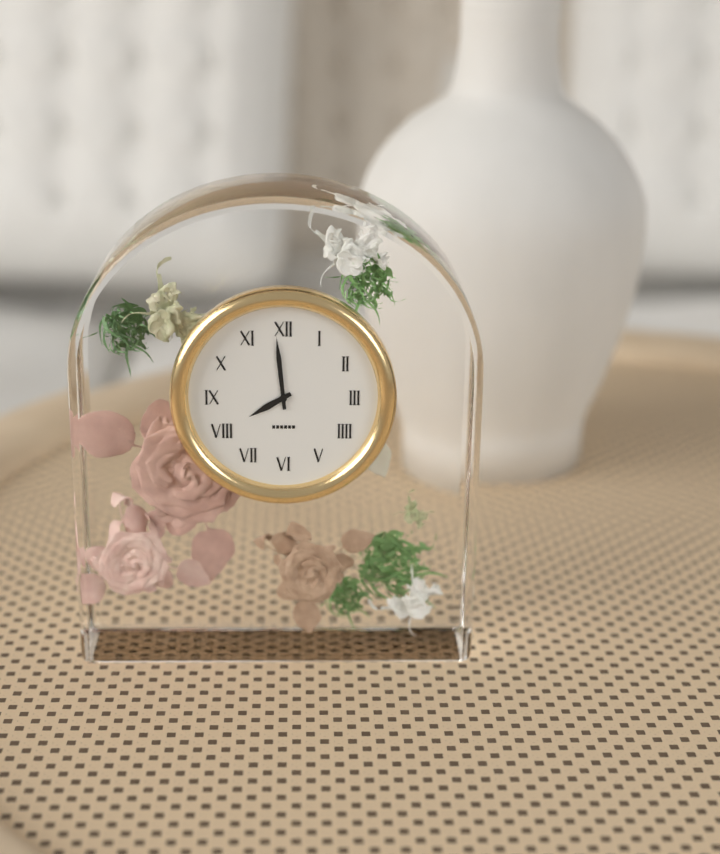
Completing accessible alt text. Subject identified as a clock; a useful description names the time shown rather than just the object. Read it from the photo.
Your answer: 7:59
